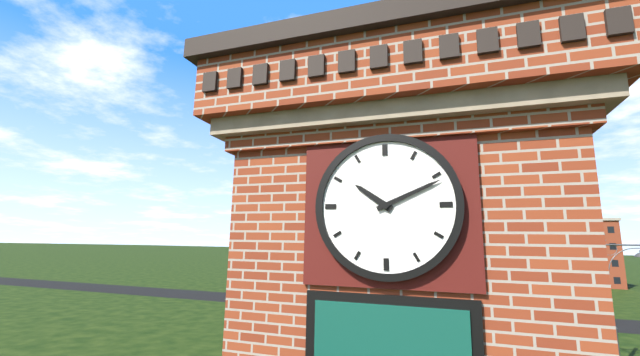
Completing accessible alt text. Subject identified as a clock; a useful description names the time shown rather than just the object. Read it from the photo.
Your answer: 10:11
